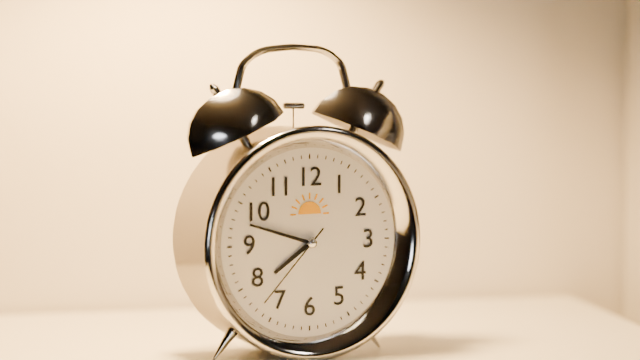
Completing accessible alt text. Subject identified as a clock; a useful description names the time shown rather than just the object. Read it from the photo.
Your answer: 7:48:37
